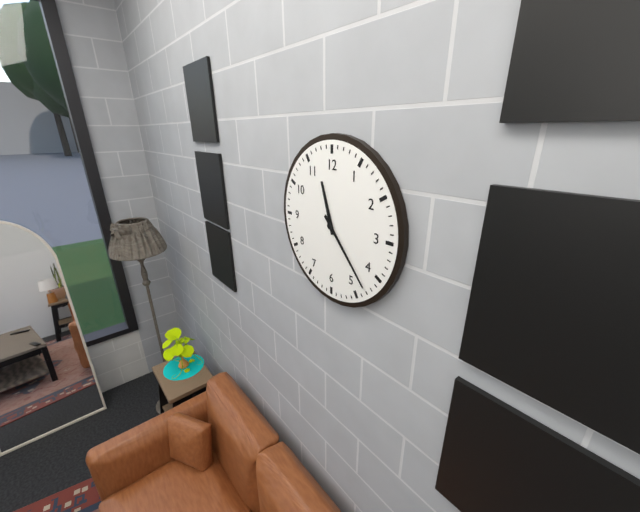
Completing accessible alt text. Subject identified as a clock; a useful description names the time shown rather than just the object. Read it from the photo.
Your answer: 11:23
